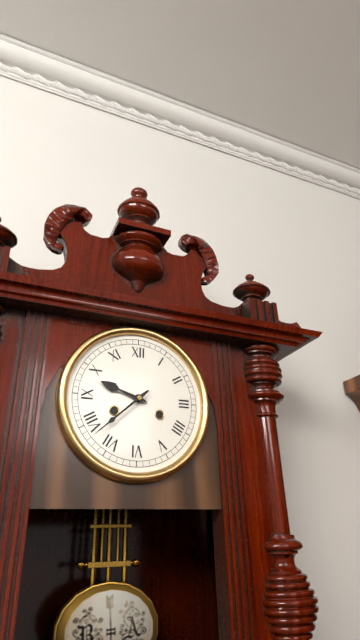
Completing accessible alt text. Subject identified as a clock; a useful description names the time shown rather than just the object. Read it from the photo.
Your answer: 9:38
